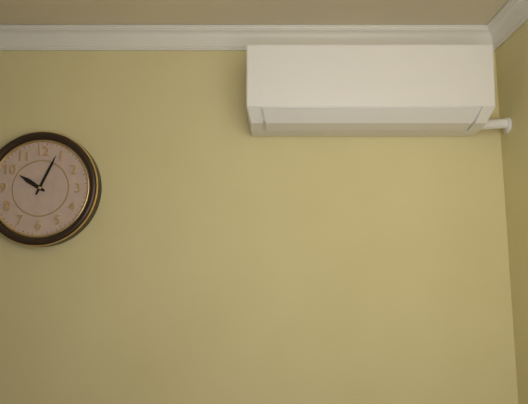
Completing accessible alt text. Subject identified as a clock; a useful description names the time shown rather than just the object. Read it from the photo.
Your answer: 10:04
